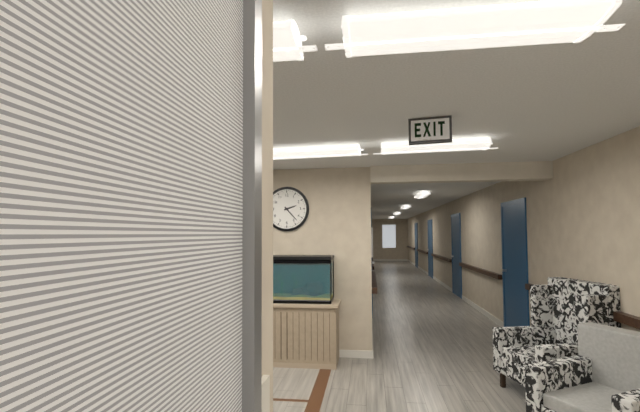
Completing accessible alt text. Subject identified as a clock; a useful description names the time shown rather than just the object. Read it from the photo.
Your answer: 2:23
